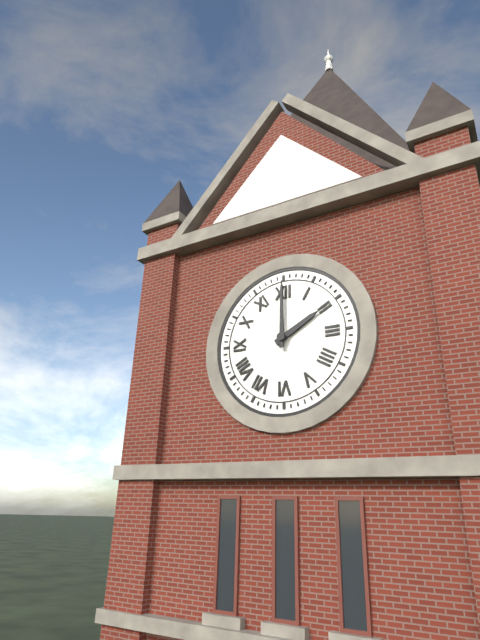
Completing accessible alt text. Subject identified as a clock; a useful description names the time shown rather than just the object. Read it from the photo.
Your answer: 2:00
